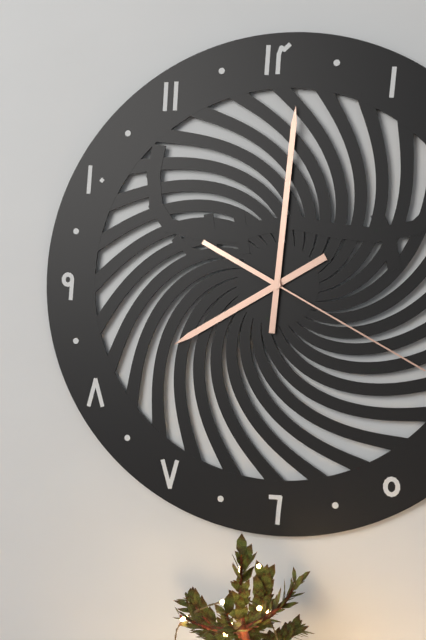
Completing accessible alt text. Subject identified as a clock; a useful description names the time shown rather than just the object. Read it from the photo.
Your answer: 8:01:20
